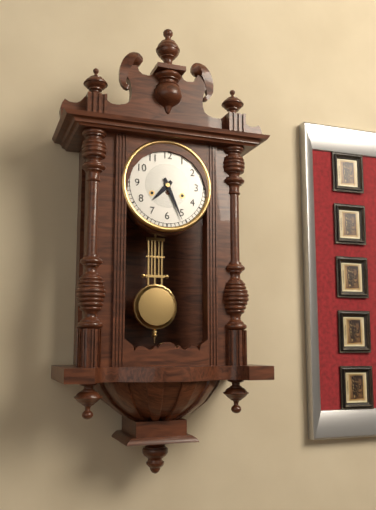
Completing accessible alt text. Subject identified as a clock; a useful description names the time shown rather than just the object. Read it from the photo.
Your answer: 7:26
